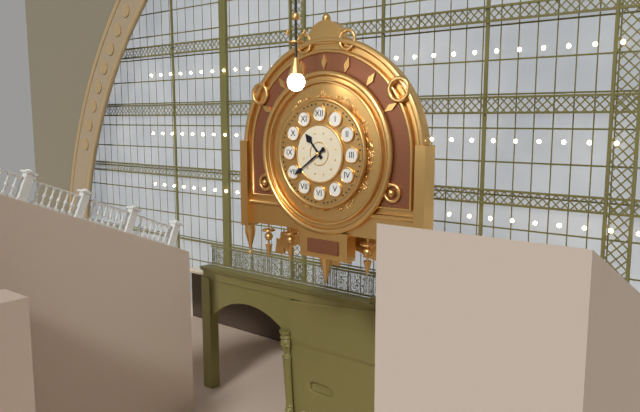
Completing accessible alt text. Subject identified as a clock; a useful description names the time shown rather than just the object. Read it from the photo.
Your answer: 10:39
